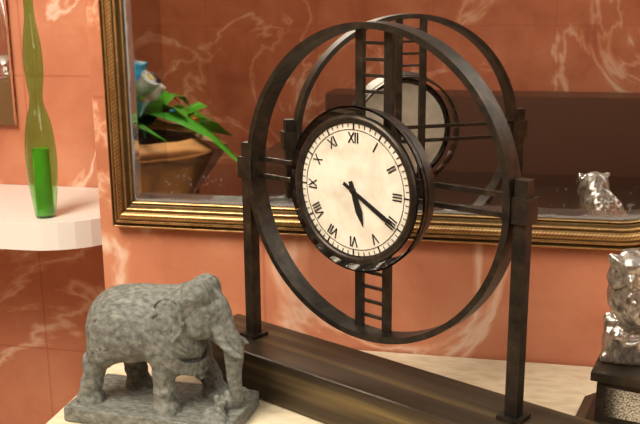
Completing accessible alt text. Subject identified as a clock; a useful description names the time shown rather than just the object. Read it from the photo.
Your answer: 5:20
